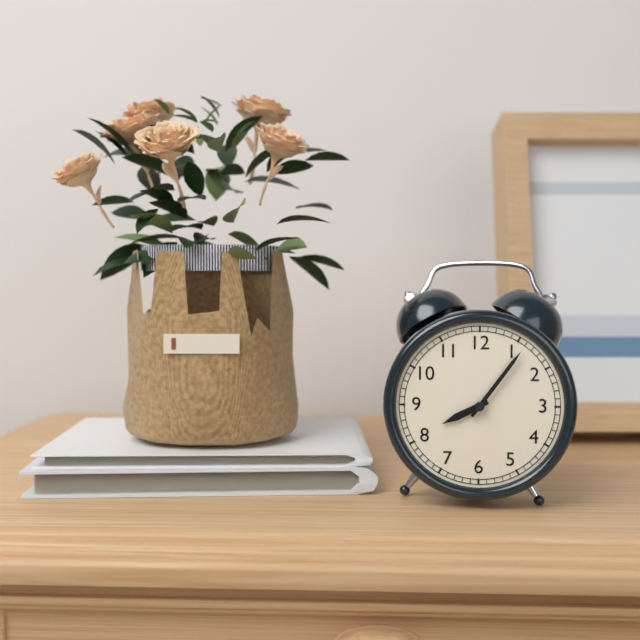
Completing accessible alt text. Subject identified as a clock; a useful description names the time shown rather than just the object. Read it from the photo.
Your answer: 8:06
